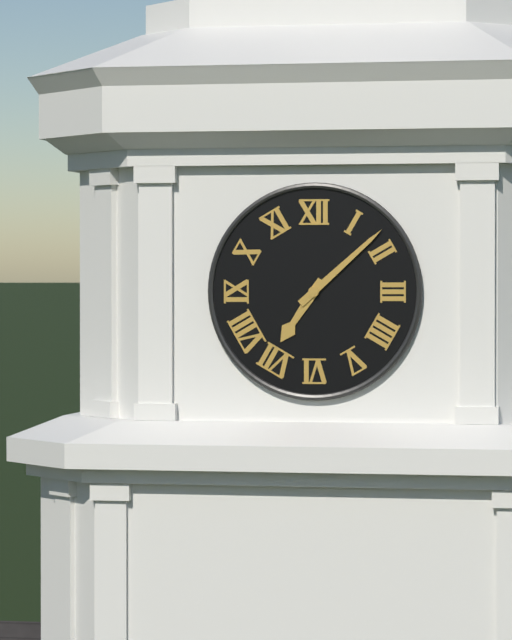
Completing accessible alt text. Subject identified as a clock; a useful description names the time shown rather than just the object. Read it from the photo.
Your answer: 7:08
